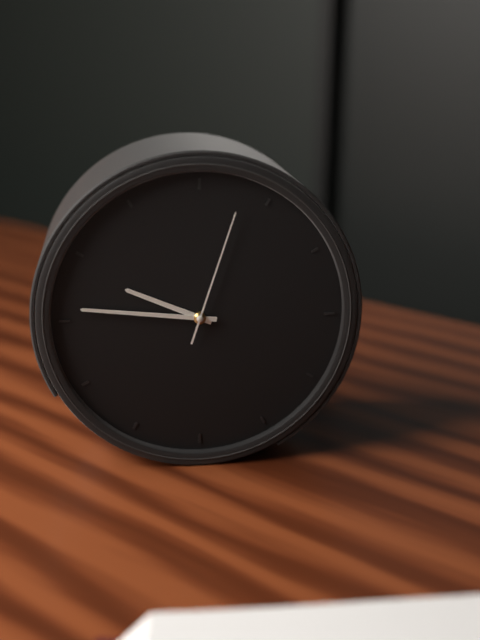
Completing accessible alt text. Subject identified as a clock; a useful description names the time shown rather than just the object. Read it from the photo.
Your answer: 9:46:03
